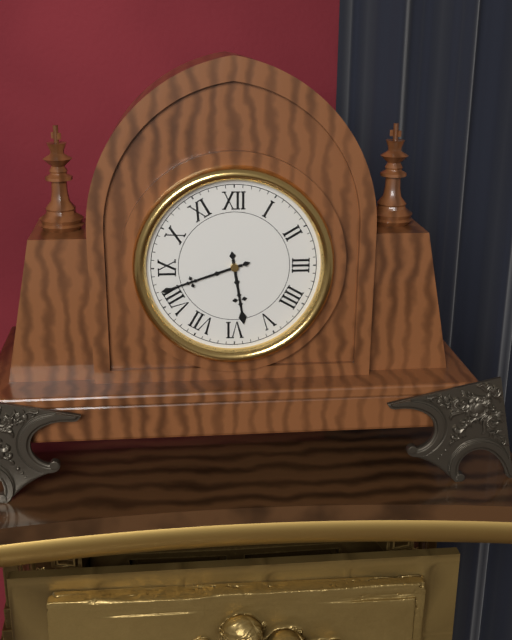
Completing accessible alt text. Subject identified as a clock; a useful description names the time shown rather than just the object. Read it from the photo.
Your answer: 5:42
